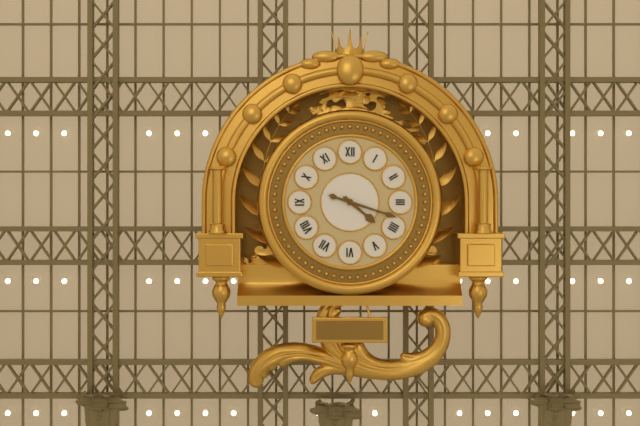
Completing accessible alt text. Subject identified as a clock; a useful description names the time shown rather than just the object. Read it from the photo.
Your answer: 4:18
